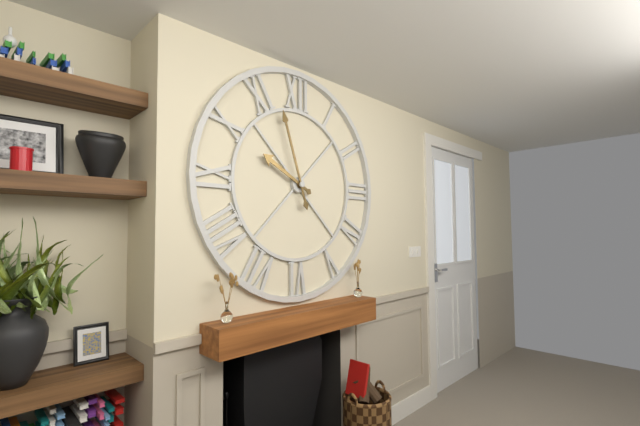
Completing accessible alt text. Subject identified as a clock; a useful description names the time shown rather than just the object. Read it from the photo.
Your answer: 9:57
